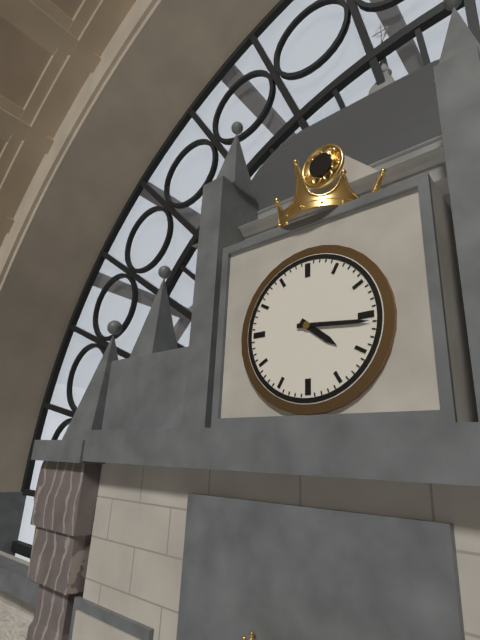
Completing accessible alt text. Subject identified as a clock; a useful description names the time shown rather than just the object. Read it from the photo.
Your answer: 4:16
